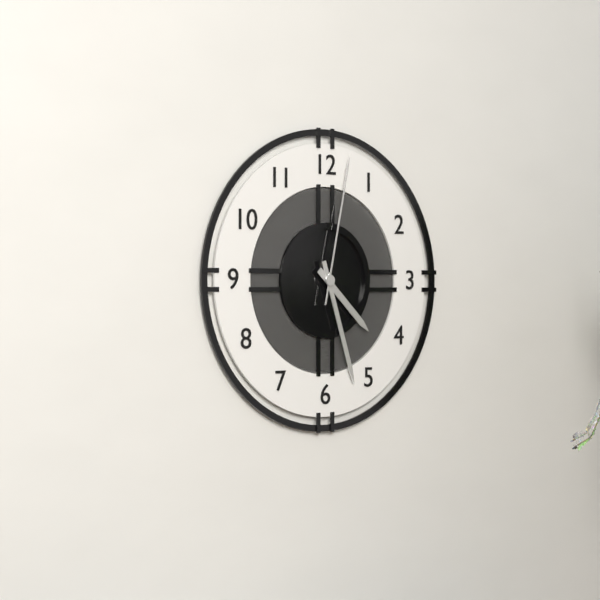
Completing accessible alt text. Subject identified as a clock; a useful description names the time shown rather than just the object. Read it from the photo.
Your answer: 4:27:02
